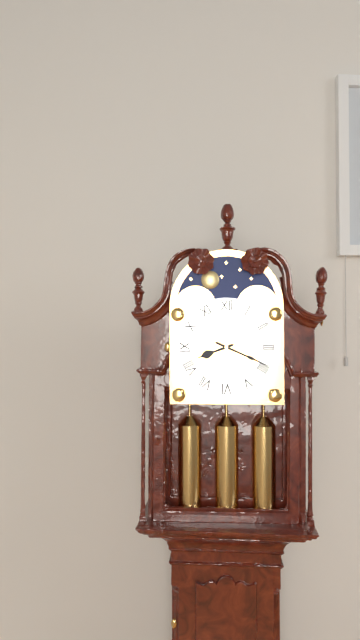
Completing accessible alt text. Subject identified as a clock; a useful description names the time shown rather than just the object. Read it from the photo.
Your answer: 8:19
